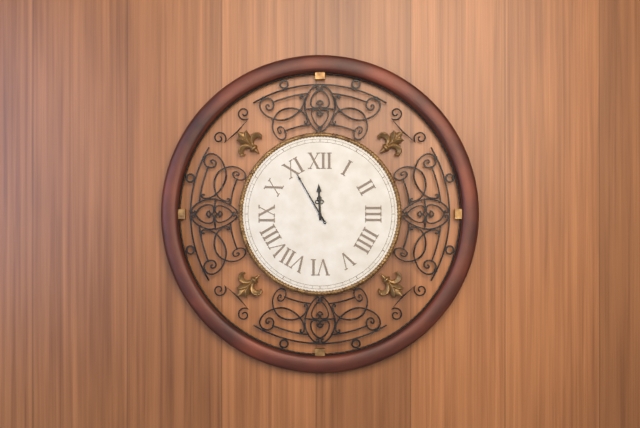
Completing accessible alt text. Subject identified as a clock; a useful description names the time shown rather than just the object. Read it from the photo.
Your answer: 11:55
